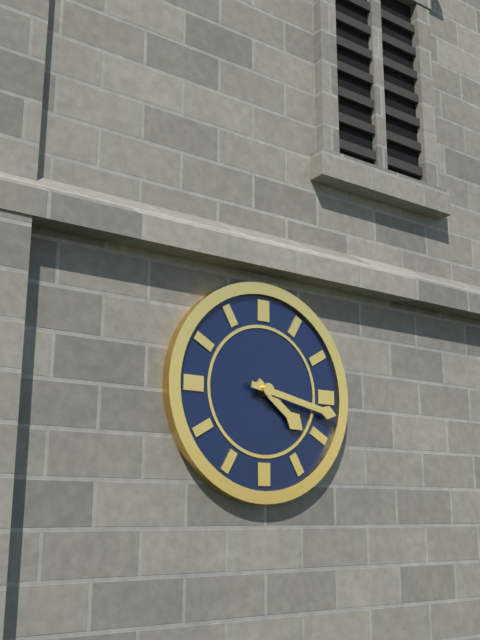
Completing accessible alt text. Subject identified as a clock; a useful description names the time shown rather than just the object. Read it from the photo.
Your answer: 4:17
